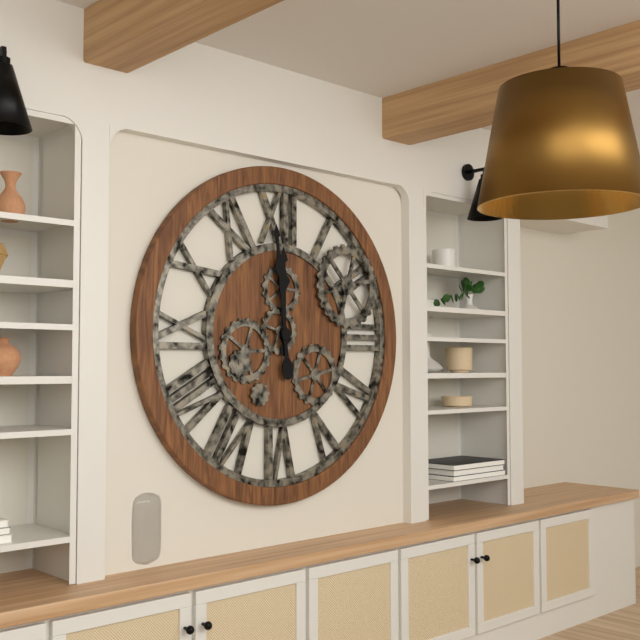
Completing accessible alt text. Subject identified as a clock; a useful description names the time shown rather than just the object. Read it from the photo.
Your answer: 11:59
